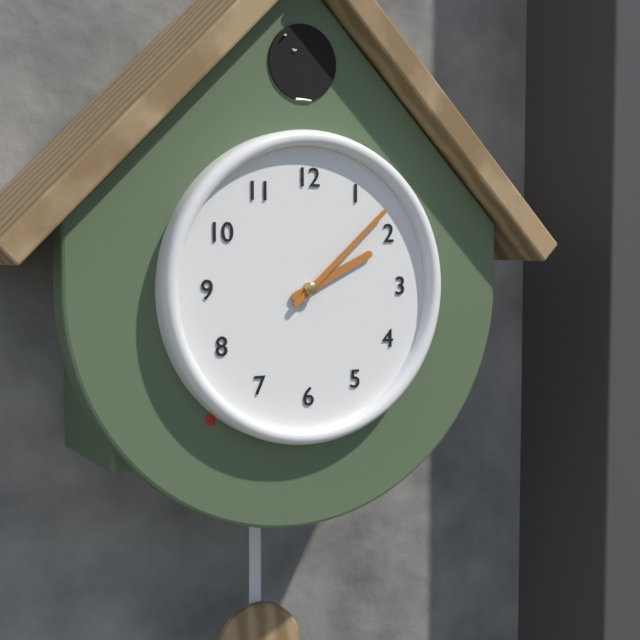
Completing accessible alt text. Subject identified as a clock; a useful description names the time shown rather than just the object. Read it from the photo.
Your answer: 2:08
